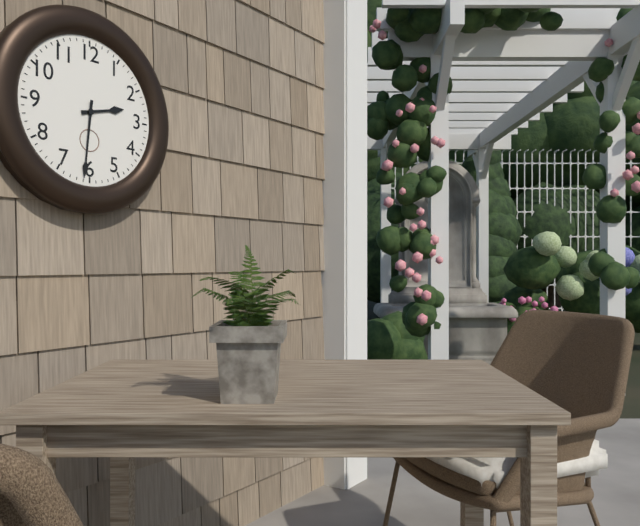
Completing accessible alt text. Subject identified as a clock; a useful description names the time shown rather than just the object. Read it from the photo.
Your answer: 2:31
